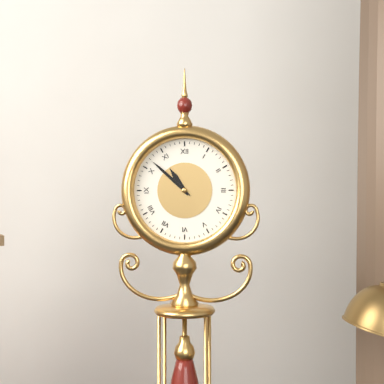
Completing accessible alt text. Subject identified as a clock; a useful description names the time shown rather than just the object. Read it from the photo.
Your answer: 10:52
